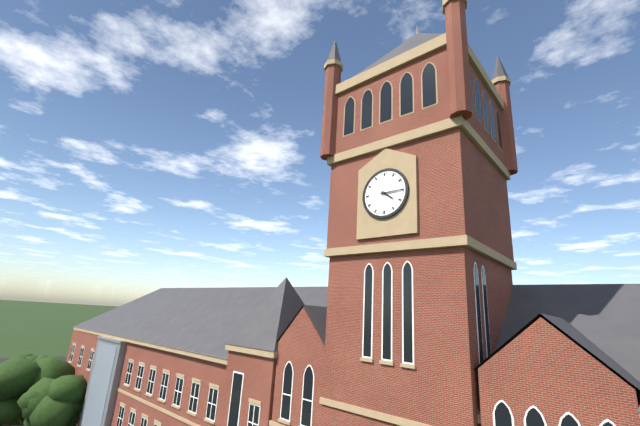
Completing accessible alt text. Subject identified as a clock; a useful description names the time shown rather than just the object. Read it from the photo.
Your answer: 4:15
